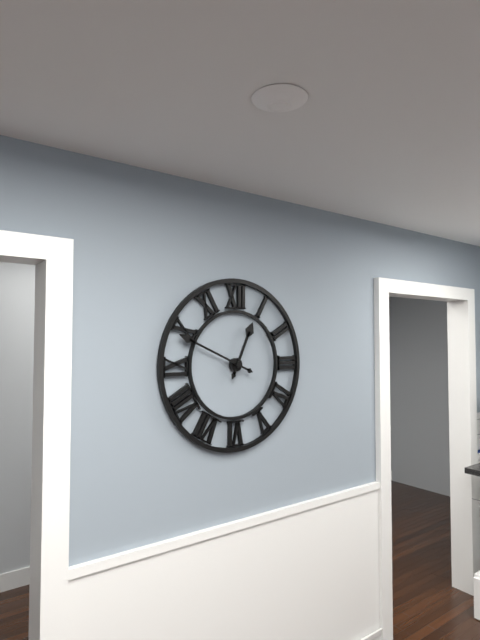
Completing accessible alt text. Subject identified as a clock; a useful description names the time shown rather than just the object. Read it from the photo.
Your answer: 12:49
